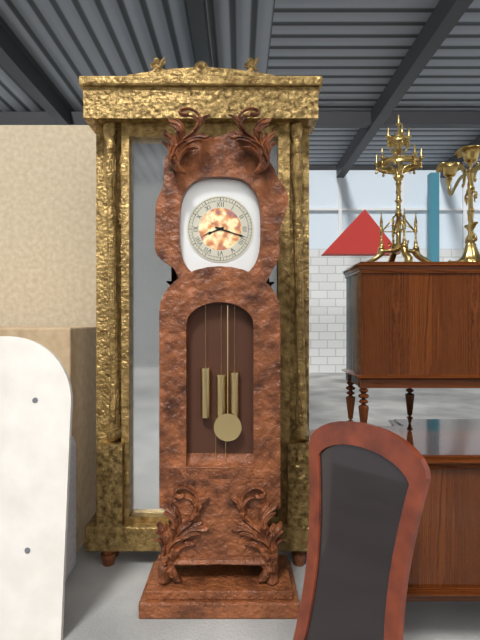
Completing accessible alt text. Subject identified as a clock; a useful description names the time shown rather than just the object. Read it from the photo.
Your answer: 8:18
